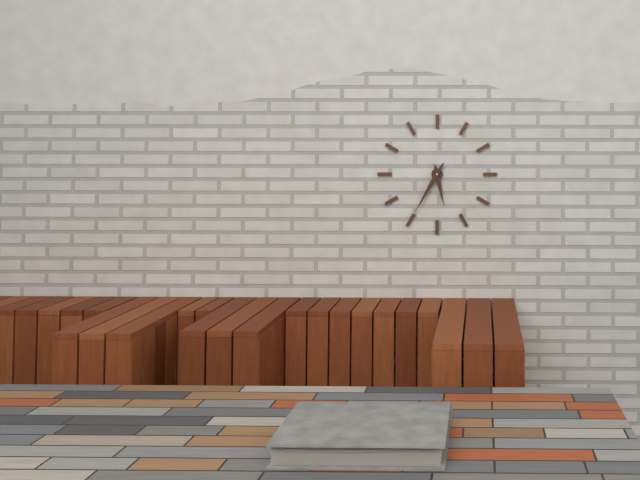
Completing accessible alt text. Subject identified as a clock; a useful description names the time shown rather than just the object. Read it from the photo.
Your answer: 5:35
